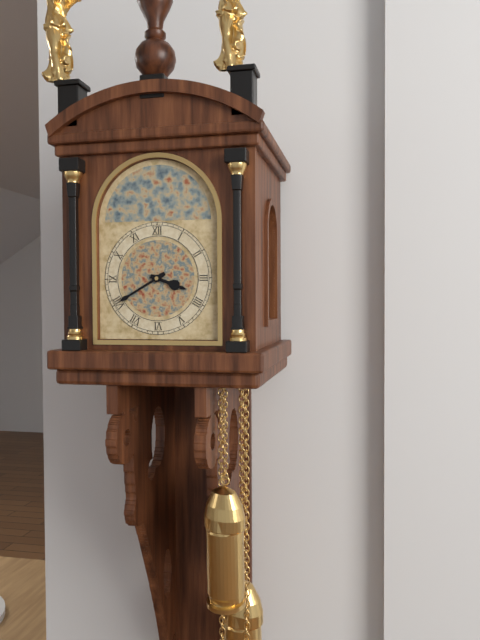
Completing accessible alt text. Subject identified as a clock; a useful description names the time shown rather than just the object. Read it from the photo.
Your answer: 3:40
